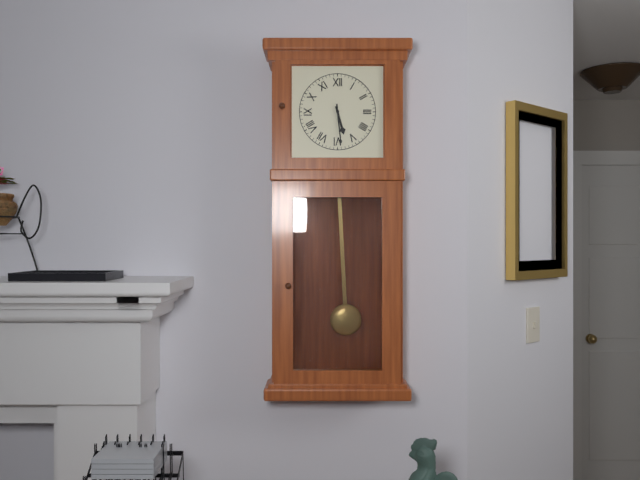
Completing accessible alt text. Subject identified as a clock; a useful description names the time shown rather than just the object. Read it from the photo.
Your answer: 5:29
